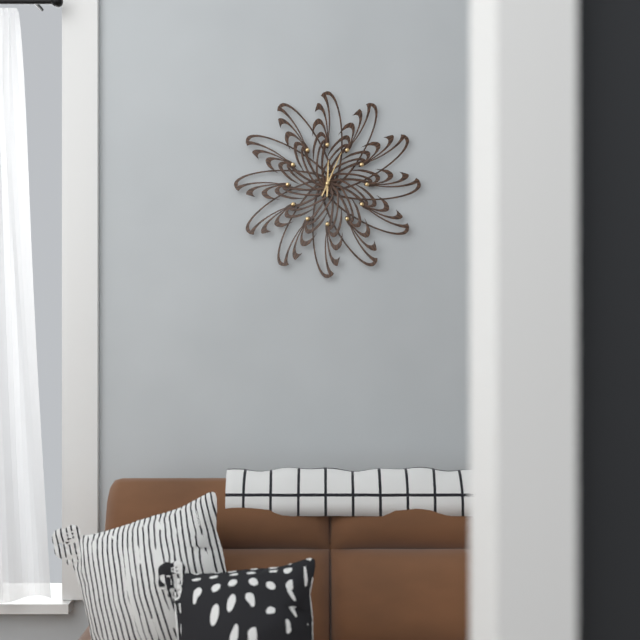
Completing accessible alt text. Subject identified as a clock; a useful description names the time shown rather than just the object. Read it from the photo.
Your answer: 12:04
